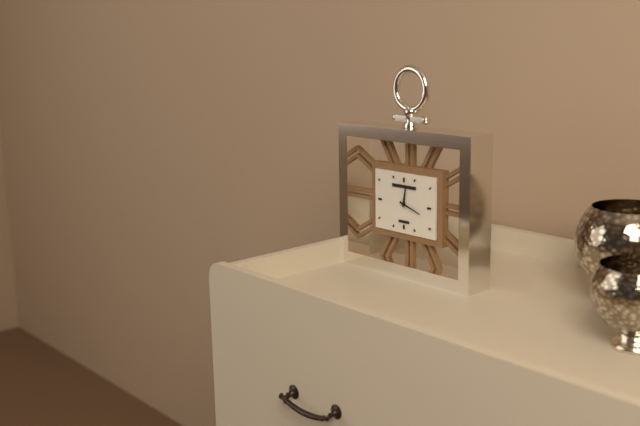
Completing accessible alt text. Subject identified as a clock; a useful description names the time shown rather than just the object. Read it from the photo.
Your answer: 12:18
